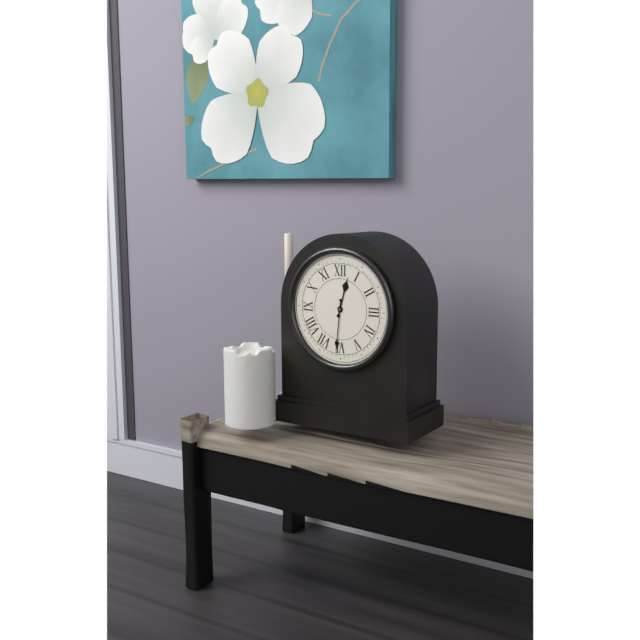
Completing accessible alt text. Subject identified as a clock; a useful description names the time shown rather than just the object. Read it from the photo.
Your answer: 12:31
